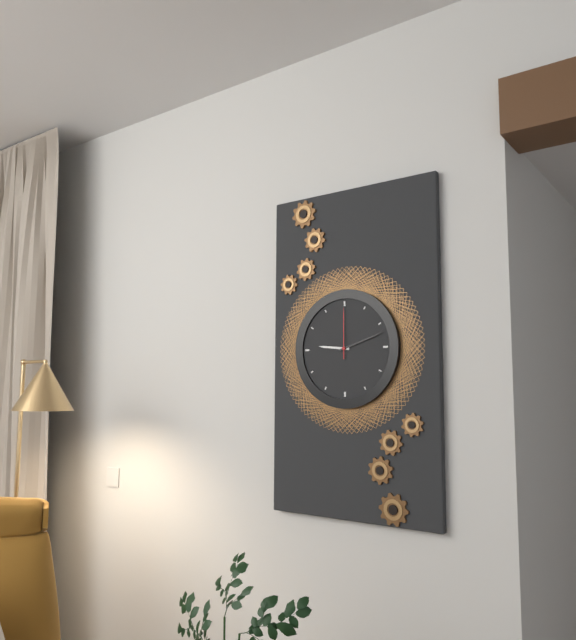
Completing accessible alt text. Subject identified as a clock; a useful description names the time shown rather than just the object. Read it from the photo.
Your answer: 9:12:00
